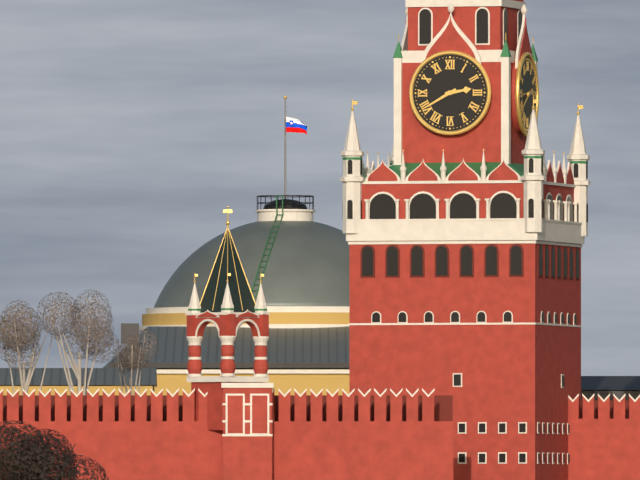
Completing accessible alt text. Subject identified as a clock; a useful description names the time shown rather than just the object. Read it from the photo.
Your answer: 2:40
